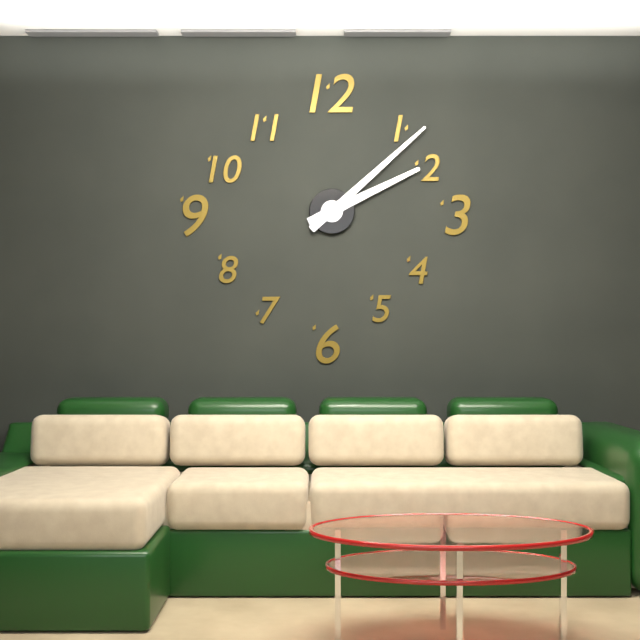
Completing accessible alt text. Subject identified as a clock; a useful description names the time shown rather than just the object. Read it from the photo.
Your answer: 2:08
